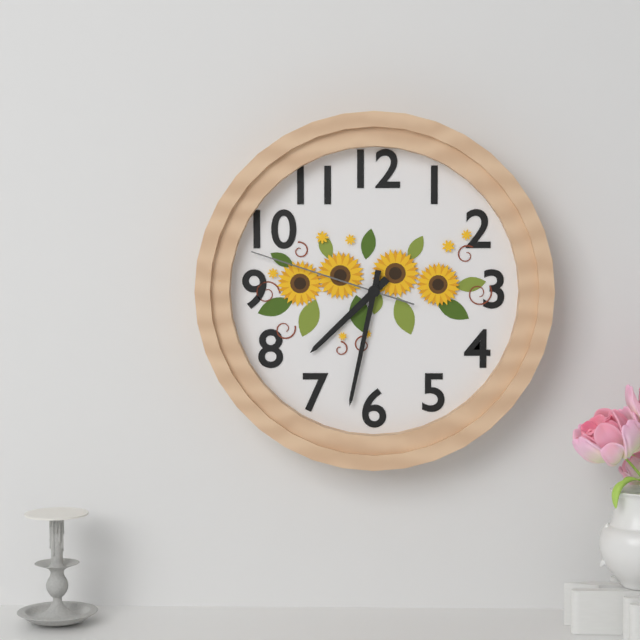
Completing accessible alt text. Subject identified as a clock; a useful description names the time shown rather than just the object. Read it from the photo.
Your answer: 7:32:48
